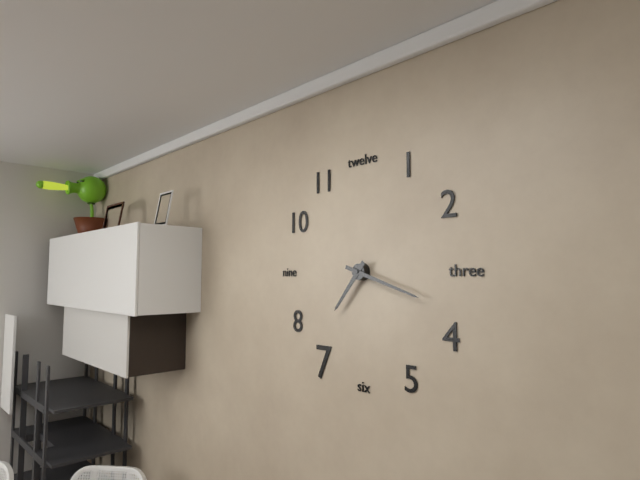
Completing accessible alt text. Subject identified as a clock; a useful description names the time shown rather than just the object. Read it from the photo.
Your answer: 7:18
